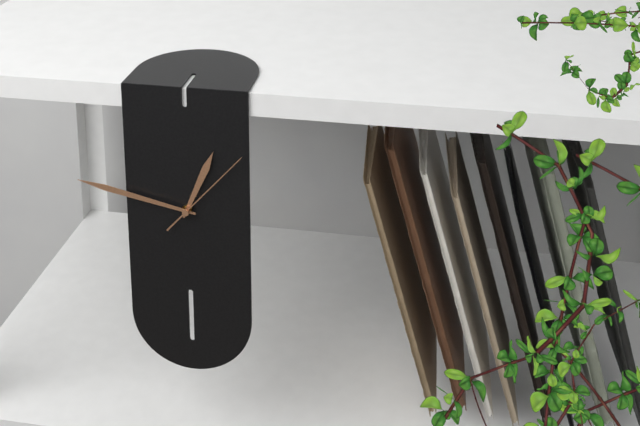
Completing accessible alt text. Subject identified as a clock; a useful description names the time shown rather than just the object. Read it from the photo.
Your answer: 12:47:07
